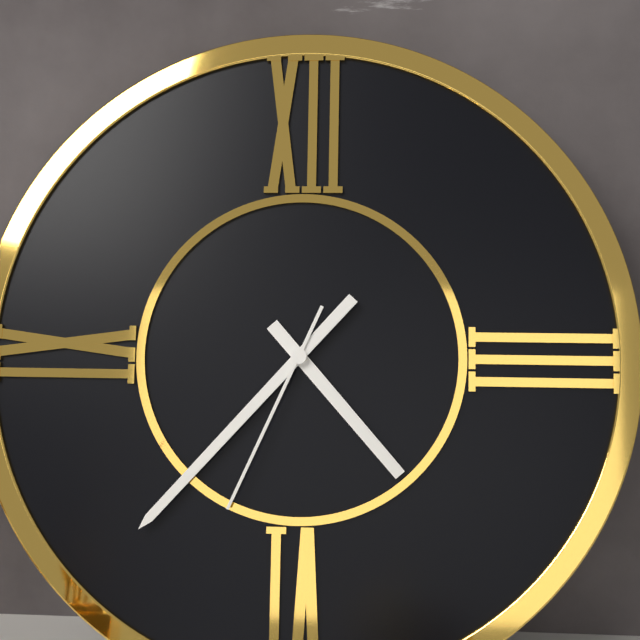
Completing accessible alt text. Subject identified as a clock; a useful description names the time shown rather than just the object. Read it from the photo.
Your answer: 4:37:34
